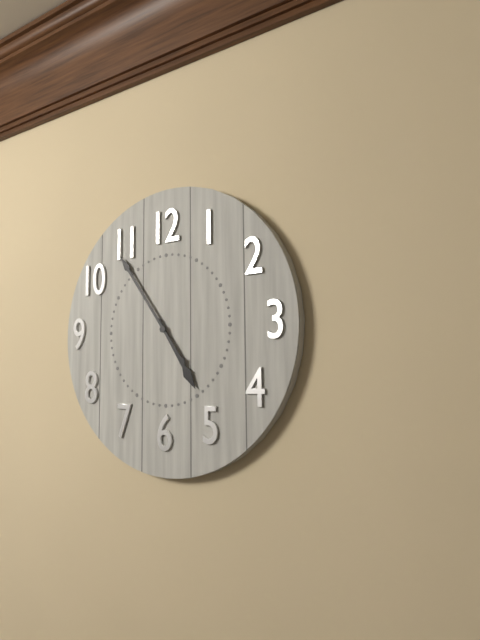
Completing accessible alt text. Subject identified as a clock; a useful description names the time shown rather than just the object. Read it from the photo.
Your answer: 4:54
